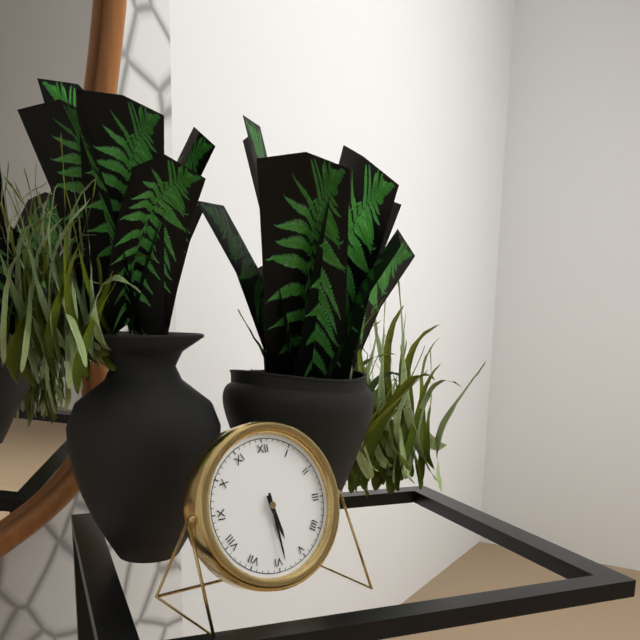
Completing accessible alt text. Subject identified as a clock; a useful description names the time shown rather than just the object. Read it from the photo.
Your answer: 5:29
